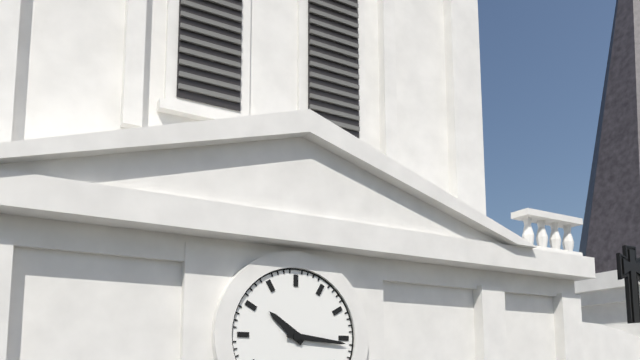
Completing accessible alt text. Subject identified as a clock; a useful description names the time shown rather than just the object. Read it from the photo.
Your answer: 10:16
